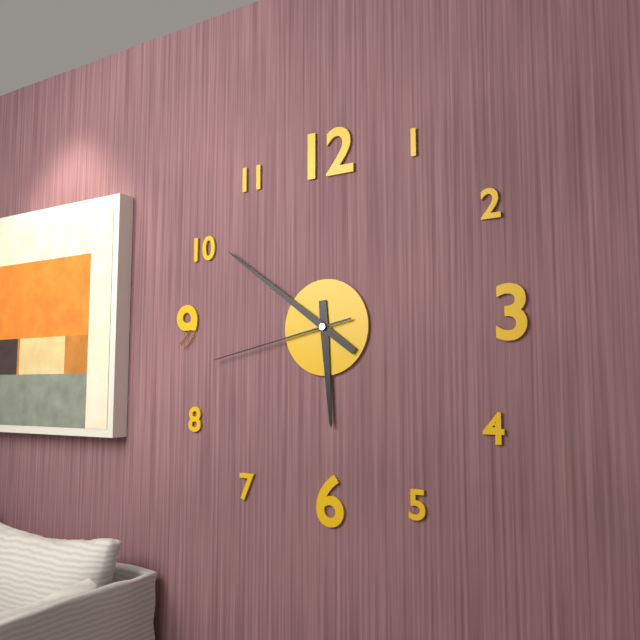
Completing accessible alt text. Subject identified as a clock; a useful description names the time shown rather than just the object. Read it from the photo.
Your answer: 5:51:43
